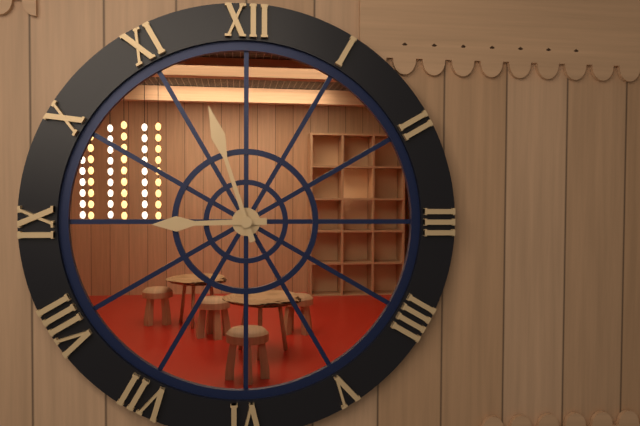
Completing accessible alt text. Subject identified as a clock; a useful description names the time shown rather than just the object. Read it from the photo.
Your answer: 8:57
